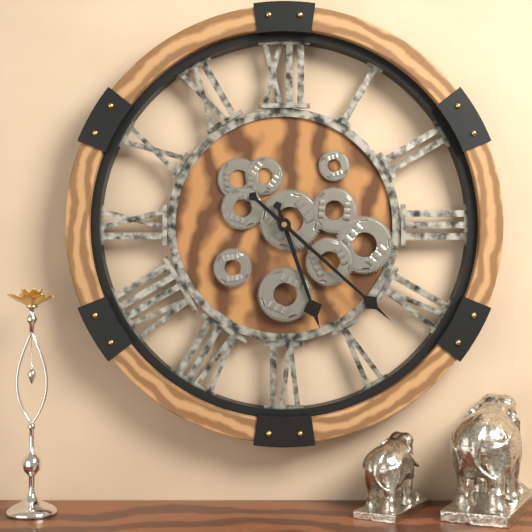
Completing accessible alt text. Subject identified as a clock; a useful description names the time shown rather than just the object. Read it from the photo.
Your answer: 5:22
